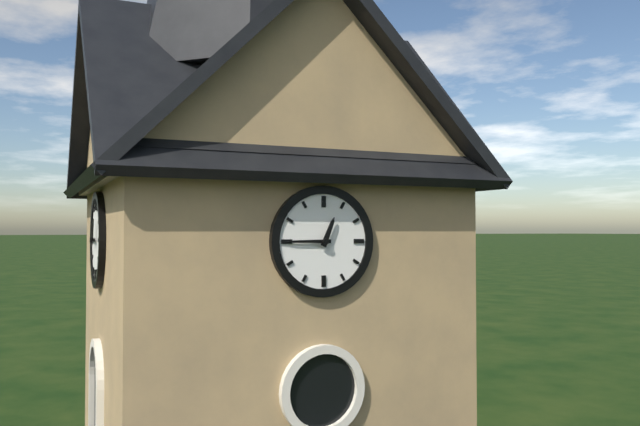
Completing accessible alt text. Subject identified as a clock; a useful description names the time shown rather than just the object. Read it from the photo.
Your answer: 12:45
